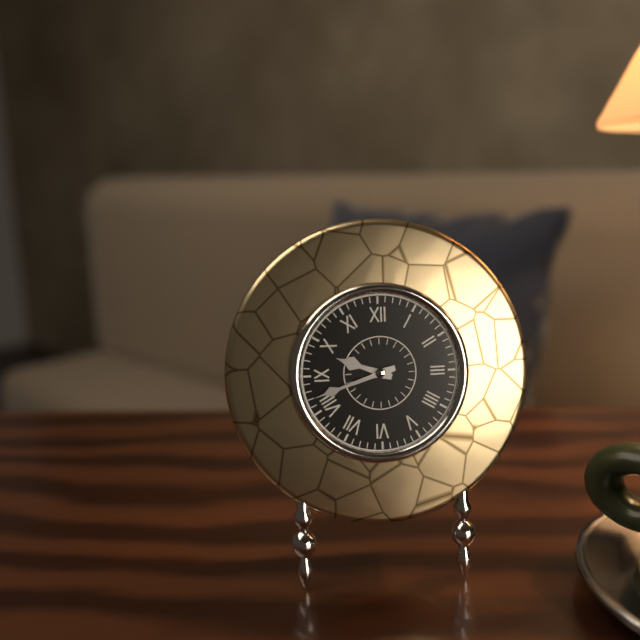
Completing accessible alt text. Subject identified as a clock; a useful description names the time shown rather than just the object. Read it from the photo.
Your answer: 9:42
